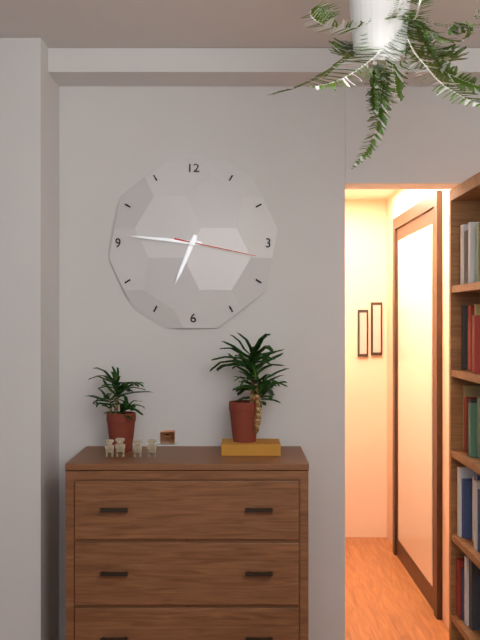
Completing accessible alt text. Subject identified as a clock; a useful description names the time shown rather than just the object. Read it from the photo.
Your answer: 6:46:17
